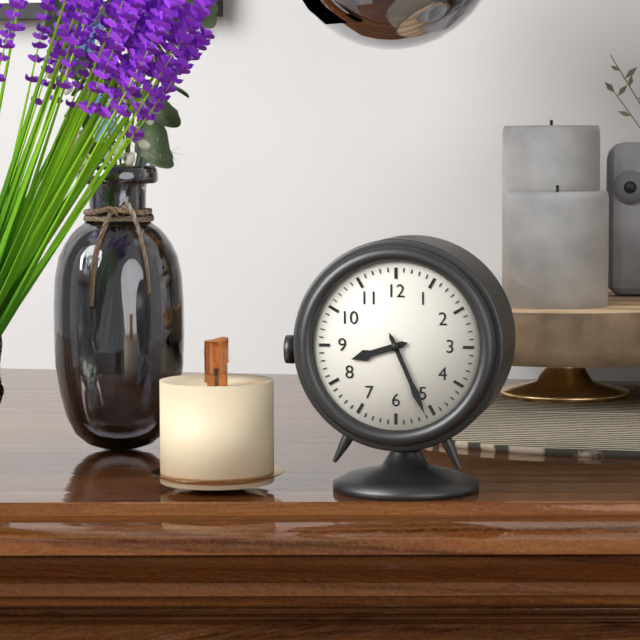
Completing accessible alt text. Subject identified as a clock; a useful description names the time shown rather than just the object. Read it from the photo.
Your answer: 8:26
